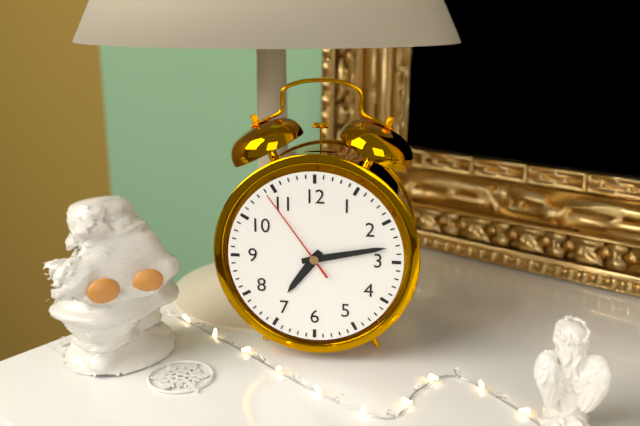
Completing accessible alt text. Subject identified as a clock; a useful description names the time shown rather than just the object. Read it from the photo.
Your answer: 7:13:54
